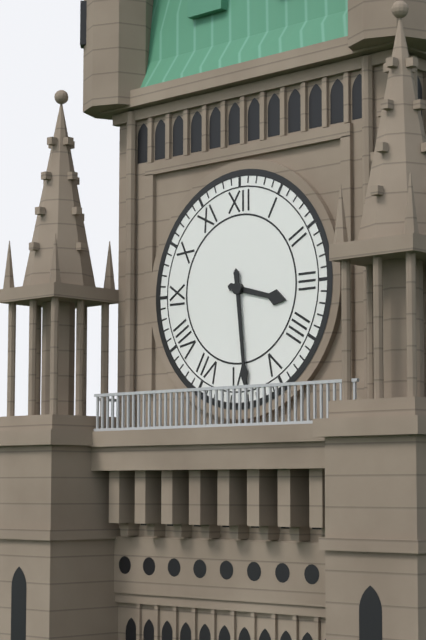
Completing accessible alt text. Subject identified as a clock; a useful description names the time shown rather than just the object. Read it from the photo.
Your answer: 3:29
